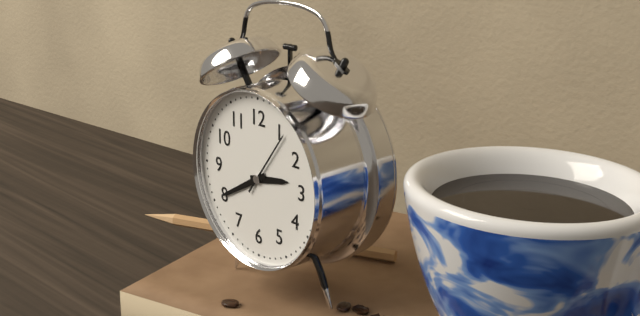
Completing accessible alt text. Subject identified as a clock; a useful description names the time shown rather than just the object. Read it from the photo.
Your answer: 2:40
